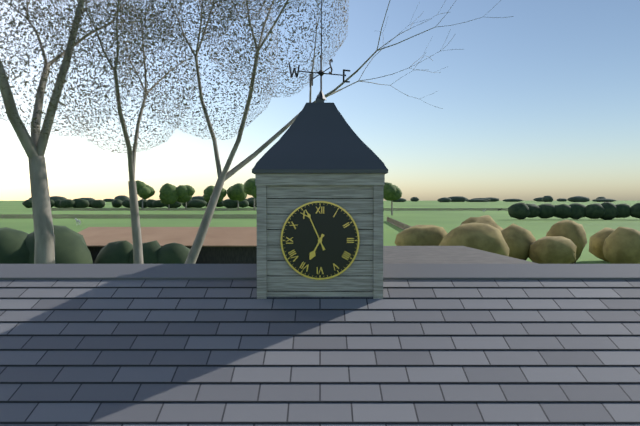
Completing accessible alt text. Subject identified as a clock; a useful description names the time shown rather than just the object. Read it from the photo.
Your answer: 6:56
